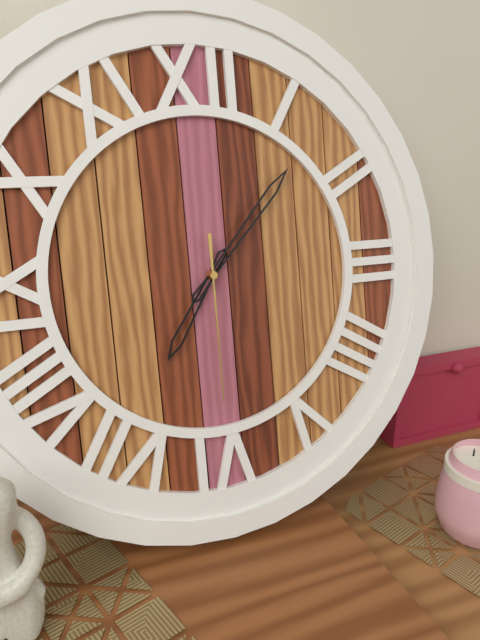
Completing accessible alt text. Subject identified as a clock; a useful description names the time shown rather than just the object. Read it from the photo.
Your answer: 7:07:30
